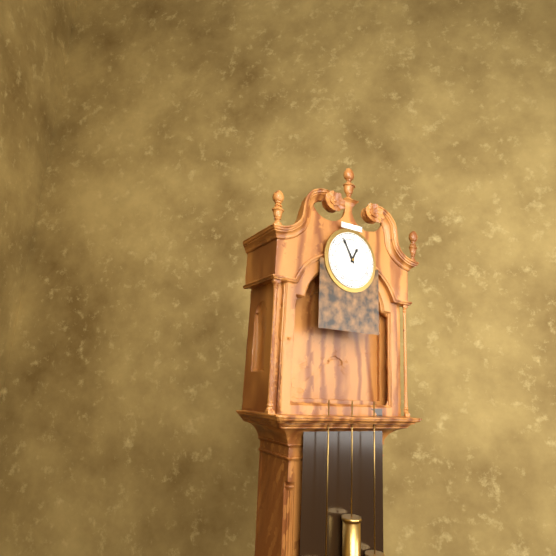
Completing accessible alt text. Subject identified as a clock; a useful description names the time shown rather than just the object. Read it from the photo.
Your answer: 12:55
